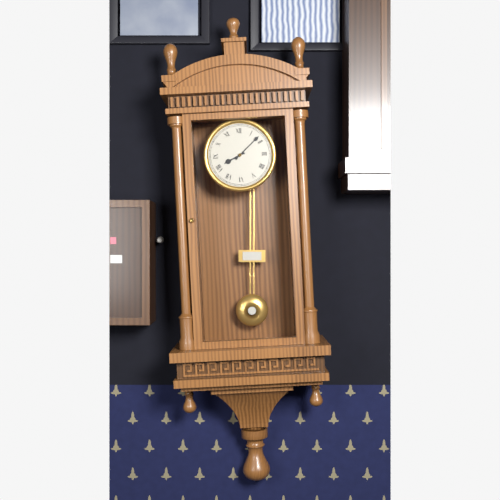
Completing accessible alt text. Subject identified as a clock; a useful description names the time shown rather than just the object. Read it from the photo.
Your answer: 8:08
